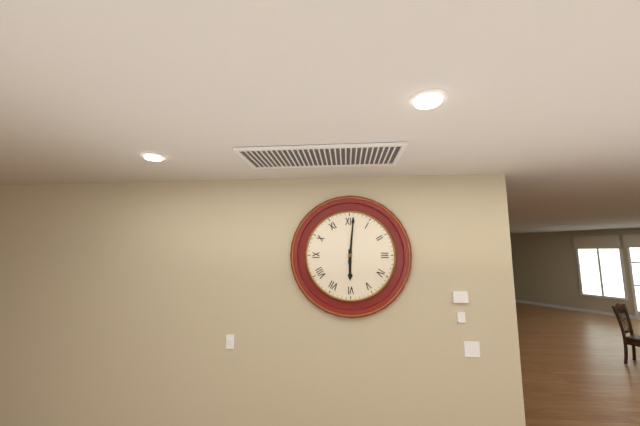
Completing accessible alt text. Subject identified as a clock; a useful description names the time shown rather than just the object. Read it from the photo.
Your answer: 6:01
